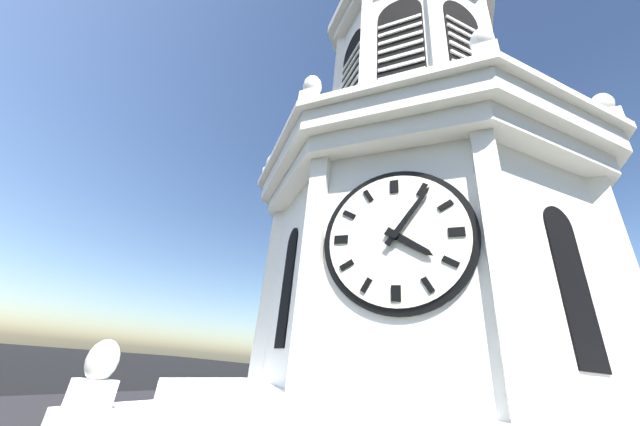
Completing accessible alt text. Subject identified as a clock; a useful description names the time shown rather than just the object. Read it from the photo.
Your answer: 4:06
